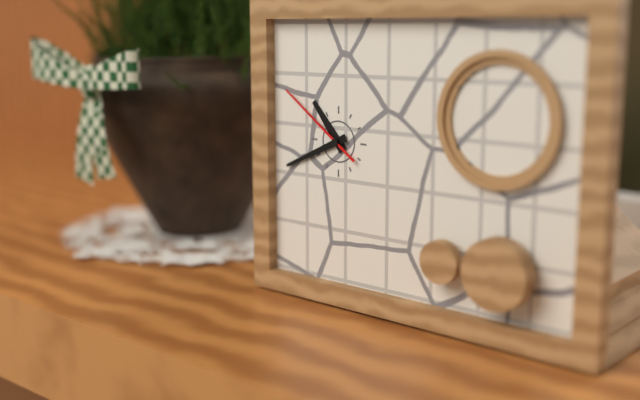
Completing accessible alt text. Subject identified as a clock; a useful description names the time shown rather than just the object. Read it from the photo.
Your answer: 10:41:51
